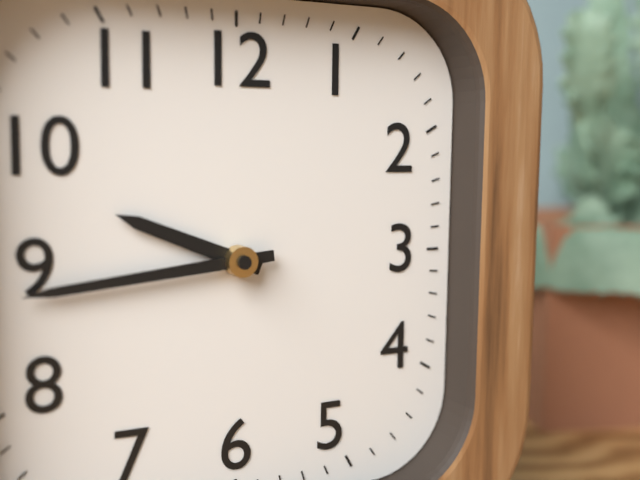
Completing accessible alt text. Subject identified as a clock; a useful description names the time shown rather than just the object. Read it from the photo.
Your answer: 9:44
